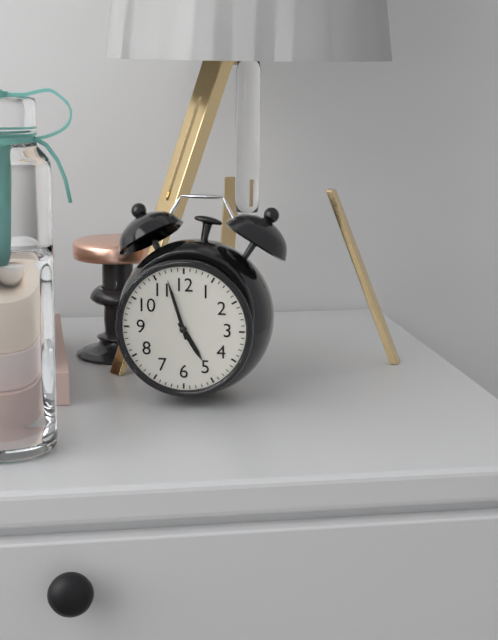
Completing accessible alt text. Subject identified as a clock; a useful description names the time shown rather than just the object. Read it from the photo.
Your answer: 4:57
